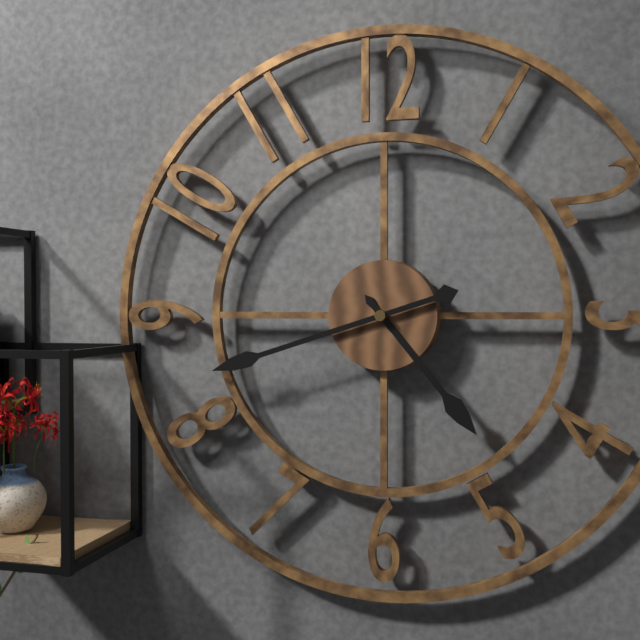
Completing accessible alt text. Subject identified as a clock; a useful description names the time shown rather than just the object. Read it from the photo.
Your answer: 4:42
